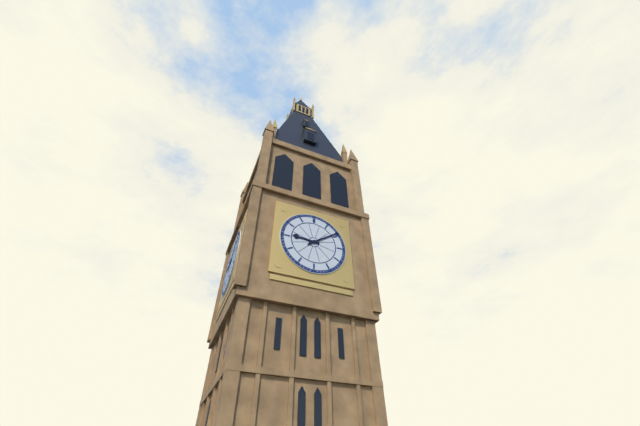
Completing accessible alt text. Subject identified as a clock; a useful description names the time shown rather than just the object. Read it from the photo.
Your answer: 9:09
